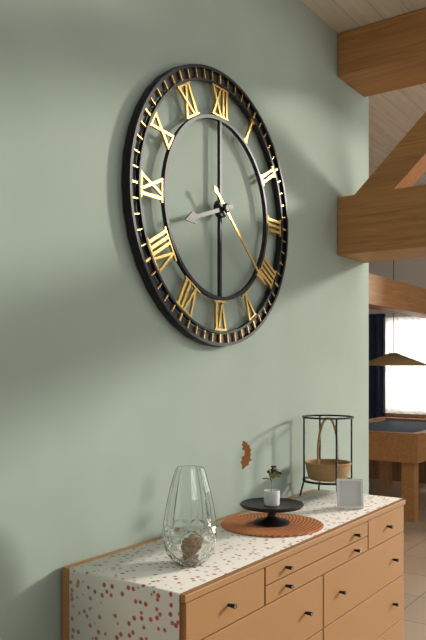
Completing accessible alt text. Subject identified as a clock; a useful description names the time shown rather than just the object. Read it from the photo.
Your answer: 8:22
